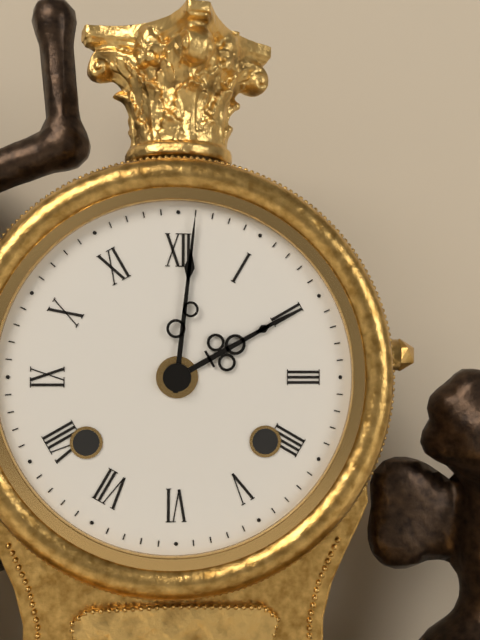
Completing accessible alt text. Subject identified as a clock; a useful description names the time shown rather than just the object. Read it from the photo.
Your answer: 2:01
